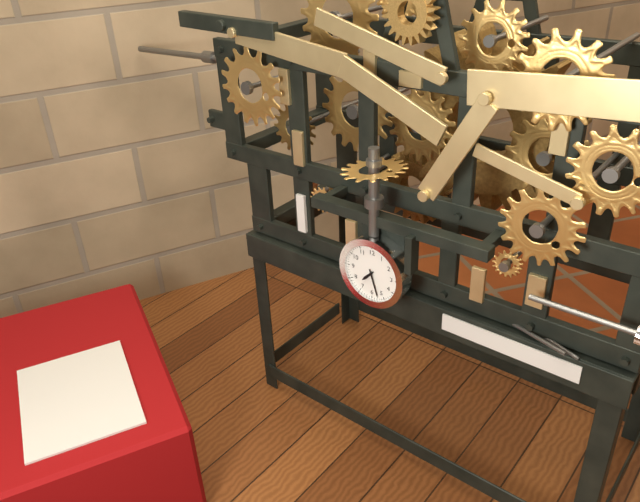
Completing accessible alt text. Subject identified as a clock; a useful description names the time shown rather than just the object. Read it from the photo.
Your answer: 7:27
